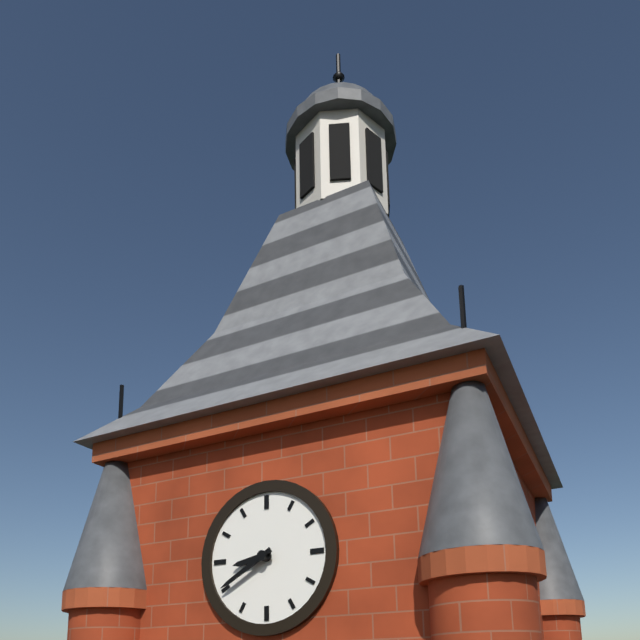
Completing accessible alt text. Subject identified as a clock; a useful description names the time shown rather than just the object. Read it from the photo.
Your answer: 8:40
